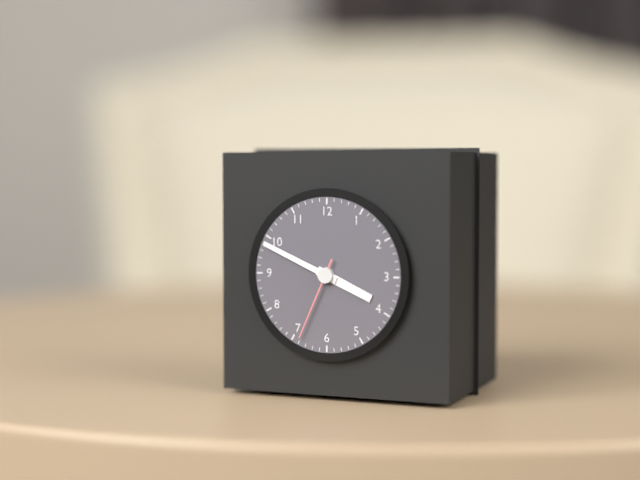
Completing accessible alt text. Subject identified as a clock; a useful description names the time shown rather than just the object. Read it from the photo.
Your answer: 3:49:34
